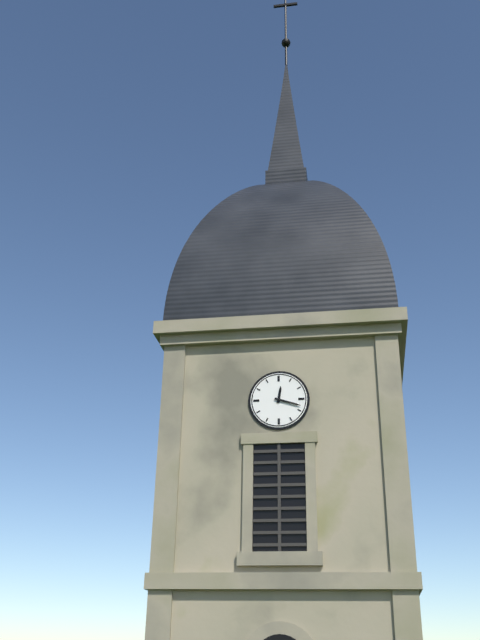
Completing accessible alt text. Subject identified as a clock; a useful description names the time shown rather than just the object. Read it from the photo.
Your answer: 12:18
